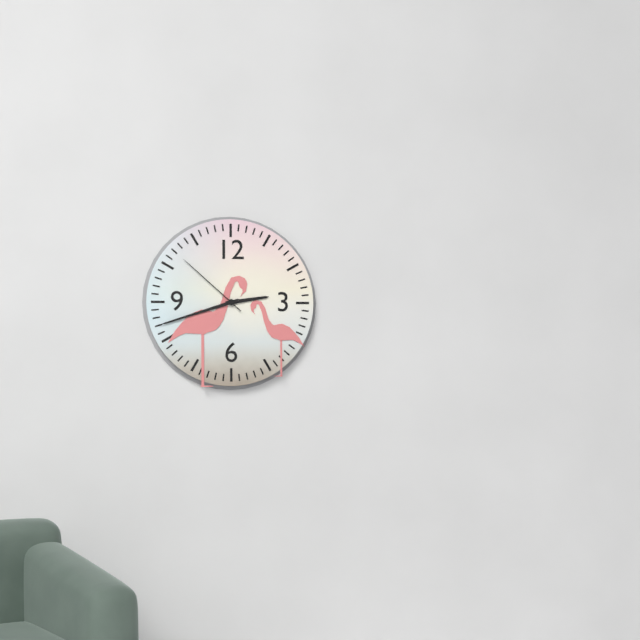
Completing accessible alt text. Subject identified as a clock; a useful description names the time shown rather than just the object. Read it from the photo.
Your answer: 2:42:52
